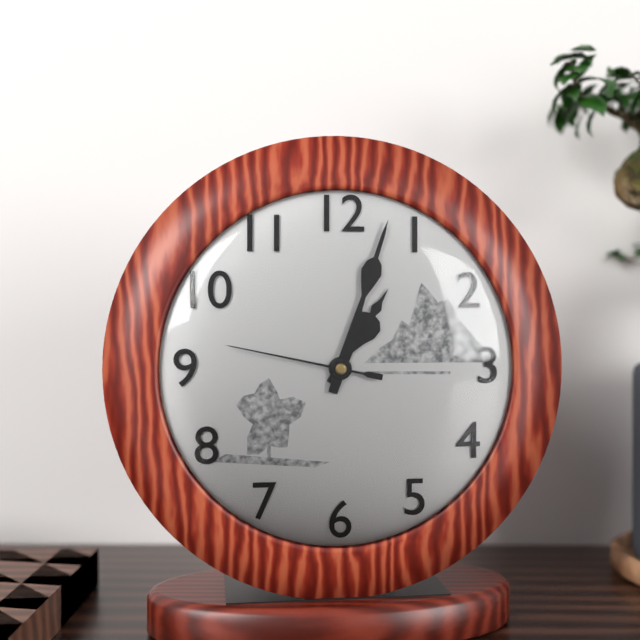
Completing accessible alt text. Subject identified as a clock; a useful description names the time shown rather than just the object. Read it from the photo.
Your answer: 1:03:47
